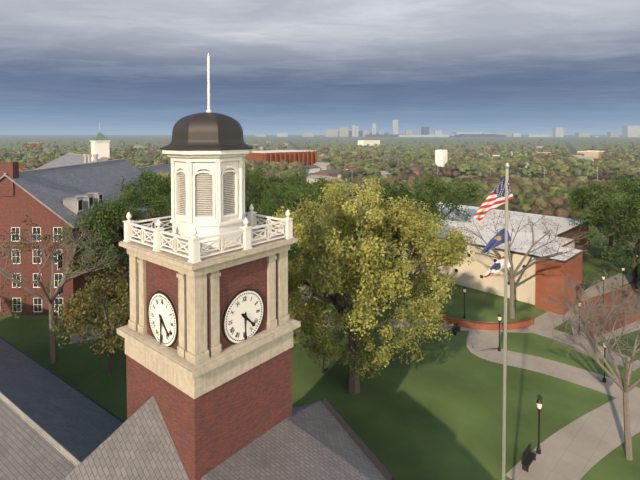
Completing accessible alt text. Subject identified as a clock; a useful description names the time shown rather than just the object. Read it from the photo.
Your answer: 4:30
